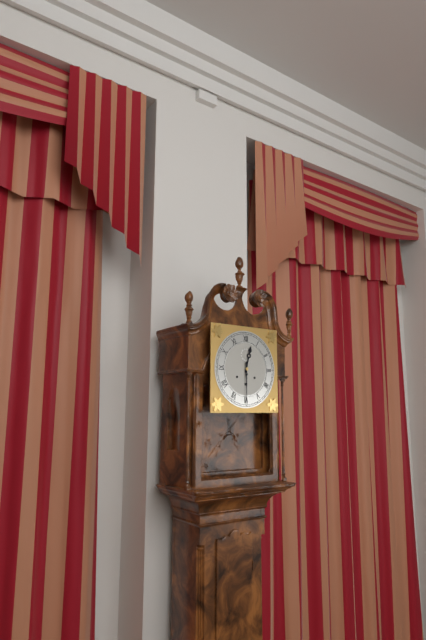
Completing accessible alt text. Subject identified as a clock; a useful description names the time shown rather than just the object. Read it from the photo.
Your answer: 12:30
